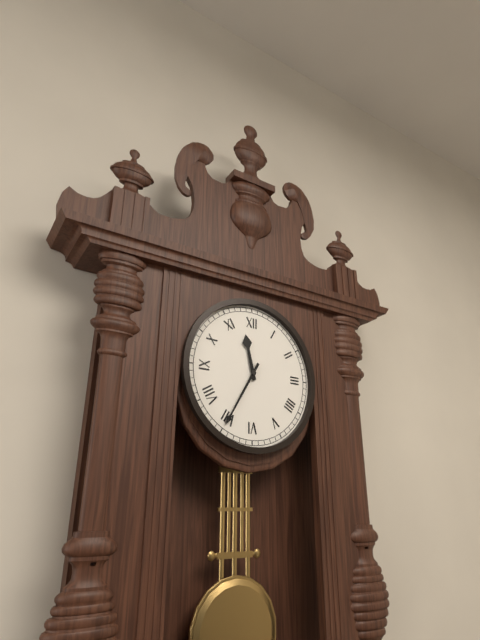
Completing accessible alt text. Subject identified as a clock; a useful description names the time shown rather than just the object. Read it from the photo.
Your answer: 11:35
